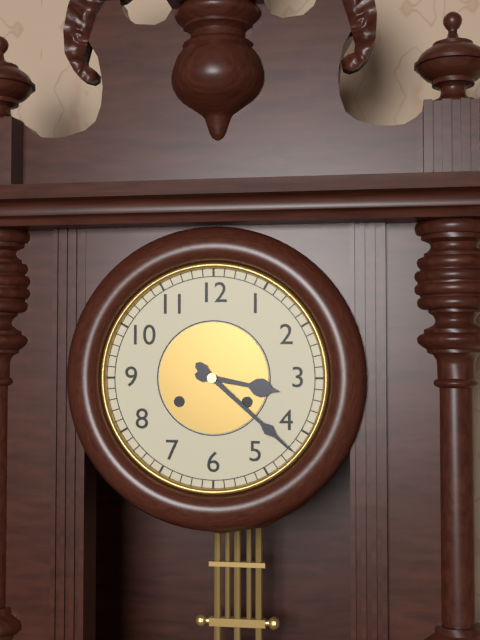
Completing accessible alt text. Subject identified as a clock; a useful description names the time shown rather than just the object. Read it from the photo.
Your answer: 3:22
